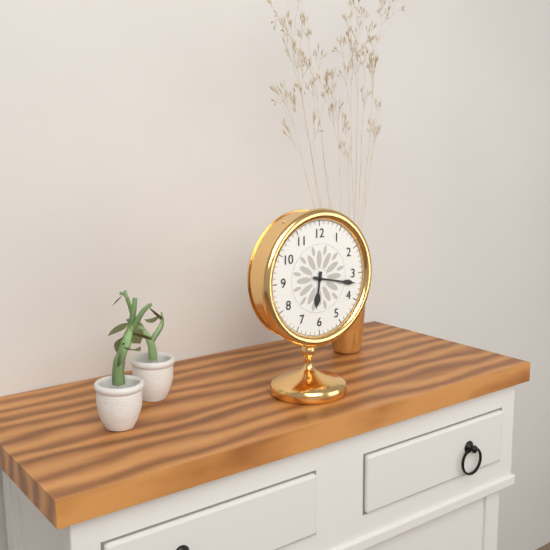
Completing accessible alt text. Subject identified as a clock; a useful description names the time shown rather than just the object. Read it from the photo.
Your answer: 6:17
